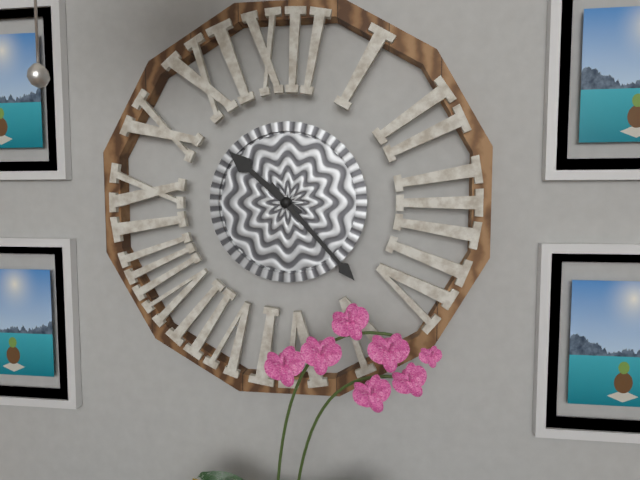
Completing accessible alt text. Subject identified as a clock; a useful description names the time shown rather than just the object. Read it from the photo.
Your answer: 10:23
